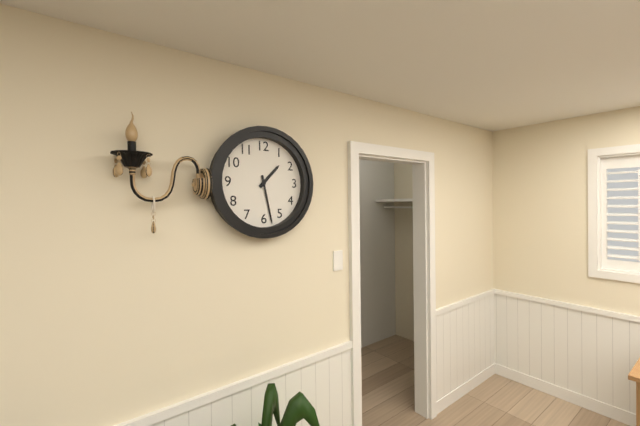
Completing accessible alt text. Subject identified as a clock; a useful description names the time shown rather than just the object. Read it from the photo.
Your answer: 1:28
